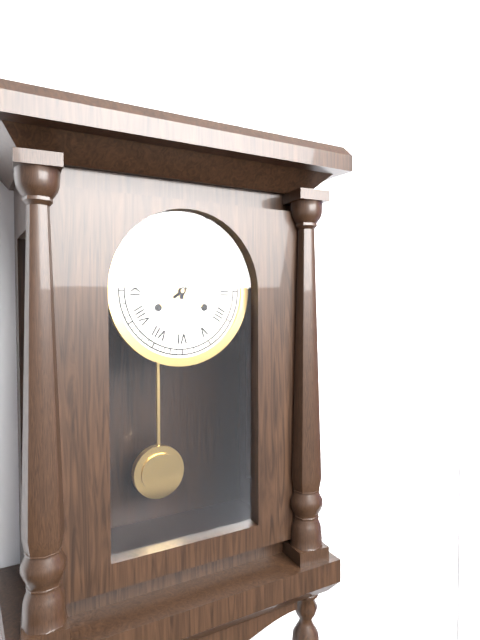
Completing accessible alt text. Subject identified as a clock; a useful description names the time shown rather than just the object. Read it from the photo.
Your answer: 12:09
